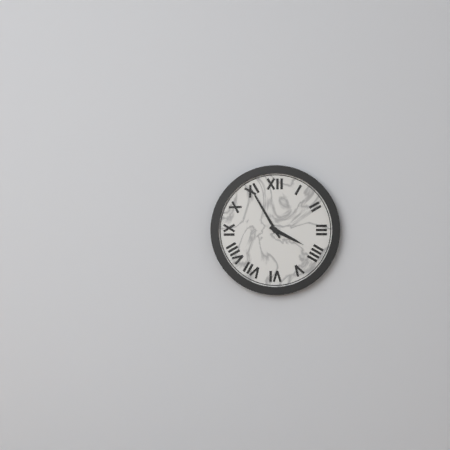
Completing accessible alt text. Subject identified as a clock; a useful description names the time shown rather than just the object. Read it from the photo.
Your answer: 3:55
